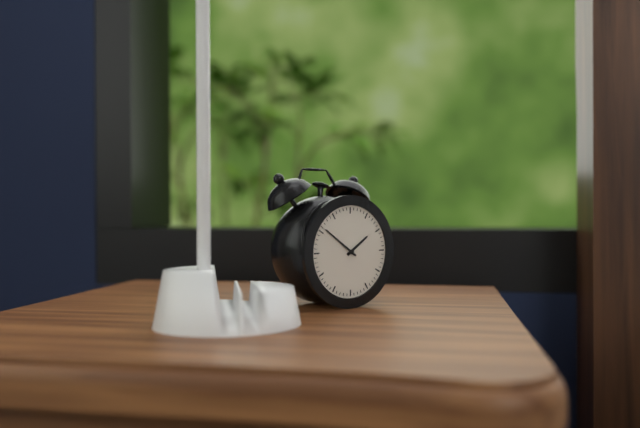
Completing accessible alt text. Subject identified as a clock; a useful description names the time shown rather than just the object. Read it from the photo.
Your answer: 1:51
